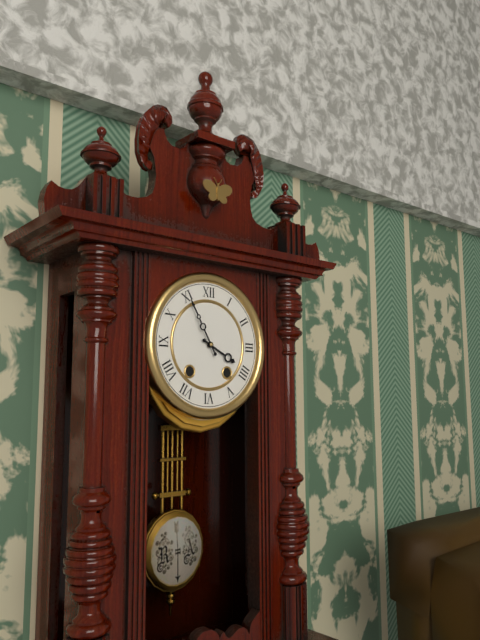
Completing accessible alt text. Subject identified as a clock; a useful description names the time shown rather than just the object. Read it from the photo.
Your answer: 3:55
